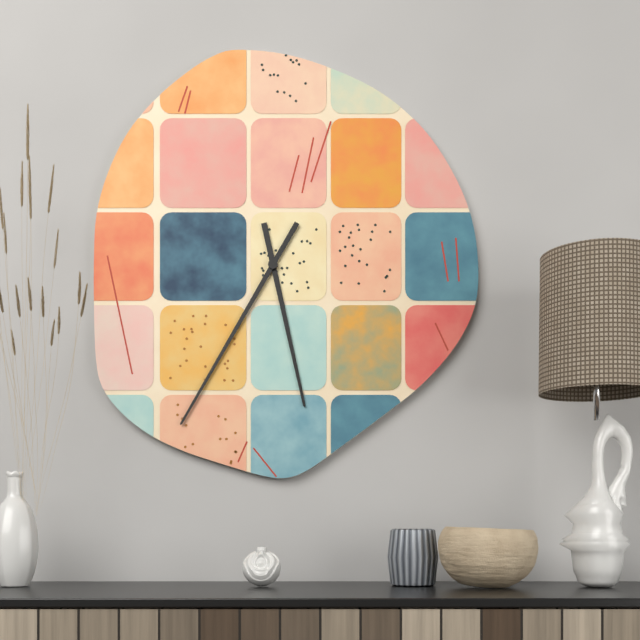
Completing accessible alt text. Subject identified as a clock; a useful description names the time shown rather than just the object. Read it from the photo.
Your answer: 5:35
